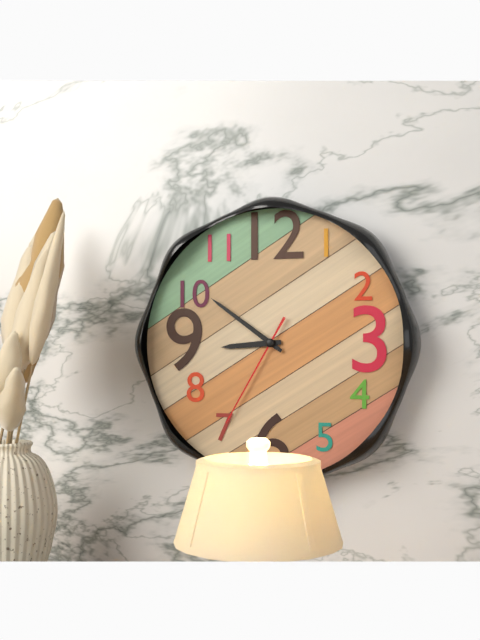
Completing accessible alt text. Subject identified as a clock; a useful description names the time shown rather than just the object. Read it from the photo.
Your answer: 8:51:35
